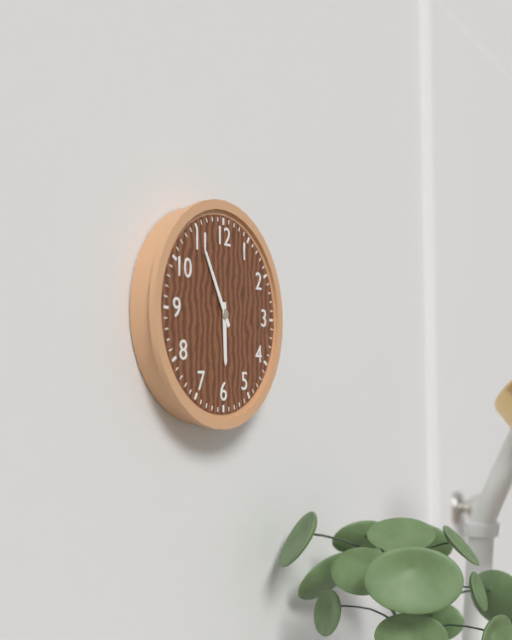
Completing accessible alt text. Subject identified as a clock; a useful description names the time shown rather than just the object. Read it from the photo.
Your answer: 5:55
